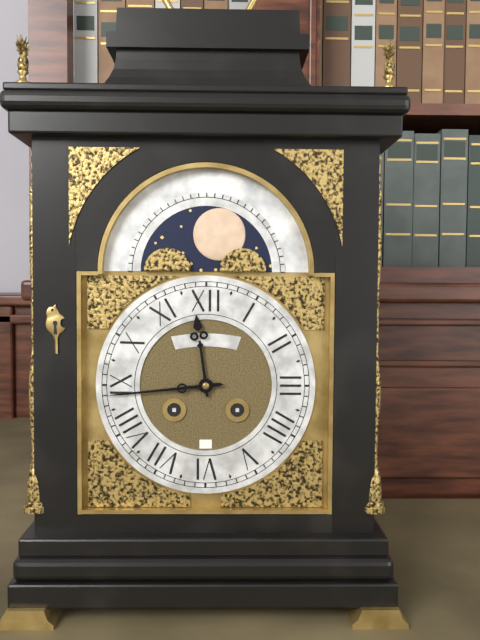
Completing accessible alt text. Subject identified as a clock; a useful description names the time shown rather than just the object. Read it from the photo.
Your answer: 11:44
